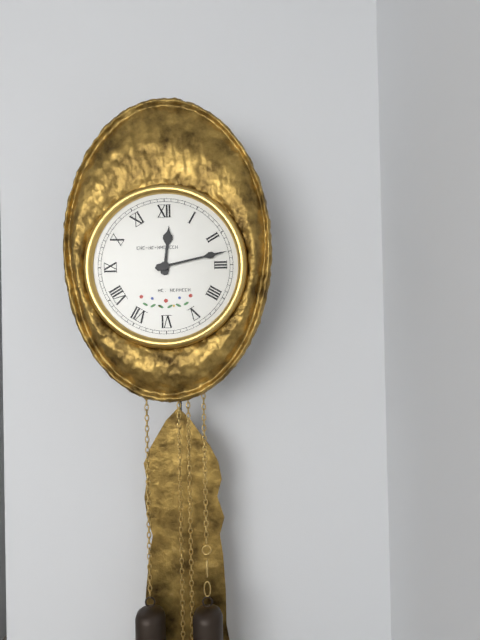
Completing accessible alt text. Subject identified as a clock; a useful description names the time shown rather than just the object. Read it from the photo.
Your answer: 12:13
